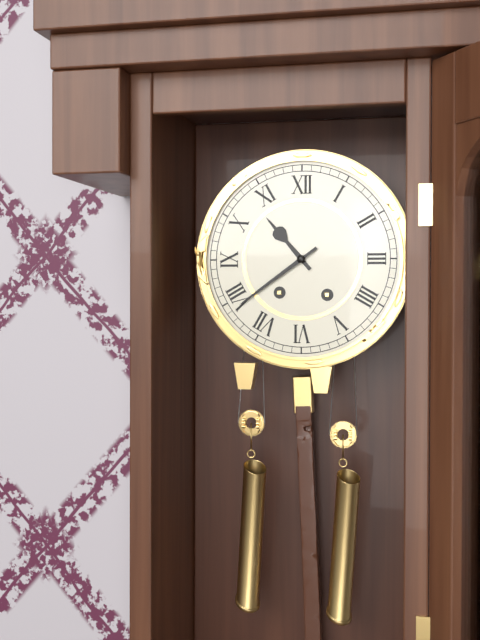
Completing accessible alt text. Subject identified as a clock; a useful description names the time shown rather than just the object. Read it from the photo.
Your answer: 10:39
